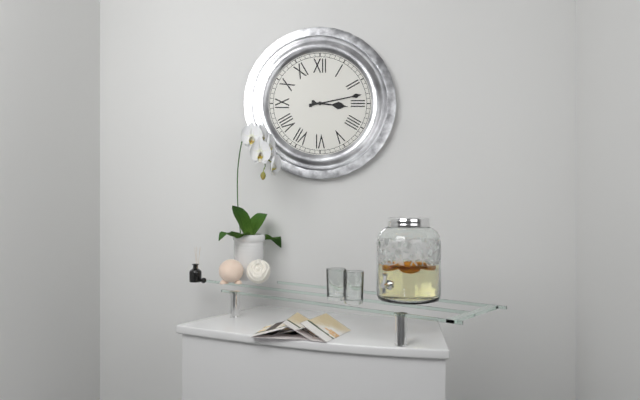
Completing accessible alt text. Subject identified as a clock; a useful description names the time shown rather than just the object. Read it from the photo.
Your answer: 3:13
